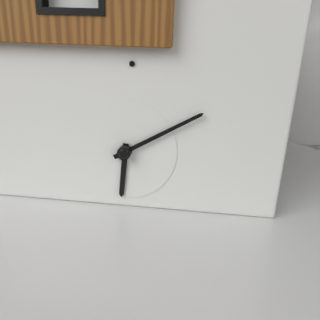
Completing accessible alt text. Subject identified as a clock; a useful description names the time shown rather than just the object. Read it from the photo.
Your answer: 6:10
